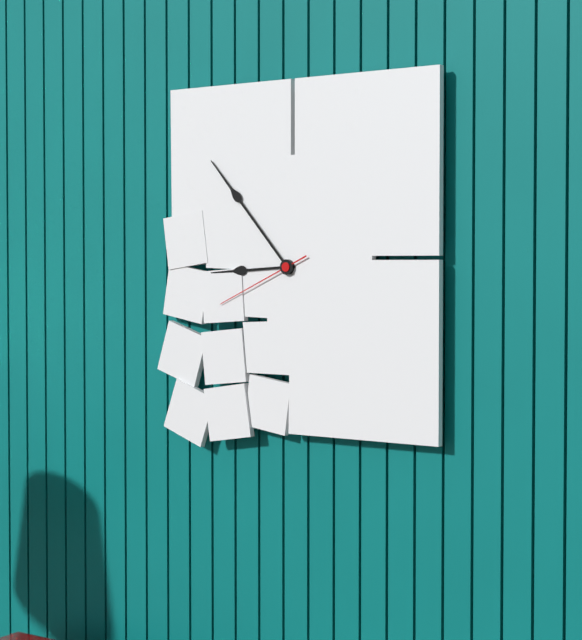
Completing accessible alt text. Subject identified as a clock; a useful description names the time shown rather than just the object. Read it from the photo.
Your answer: 8:53:41
